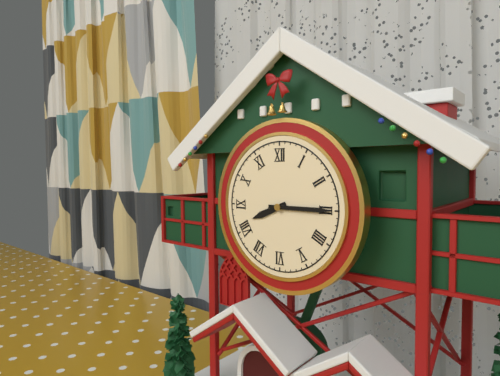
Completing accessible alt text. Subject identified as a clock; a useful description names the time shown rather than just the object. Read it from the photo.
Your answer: 8:15
